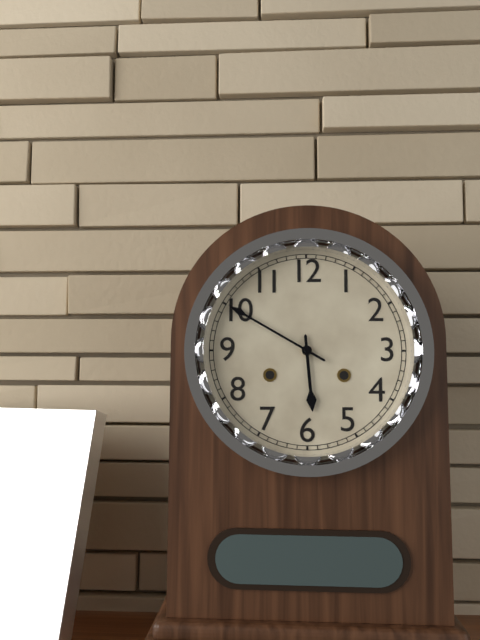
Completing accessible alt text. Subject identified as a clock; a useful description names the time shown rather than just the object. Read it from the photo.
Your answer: 5:50
